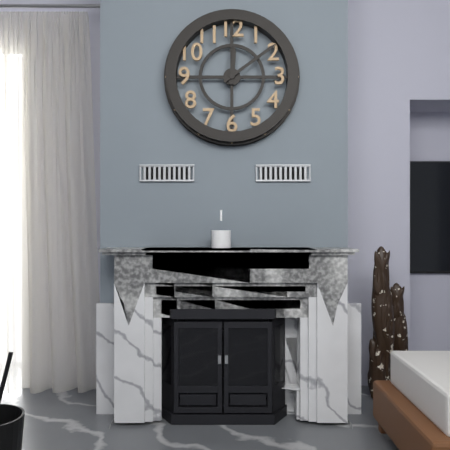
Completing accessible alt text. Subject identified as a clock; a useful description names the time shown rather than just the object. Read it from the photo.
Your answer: 12:09
